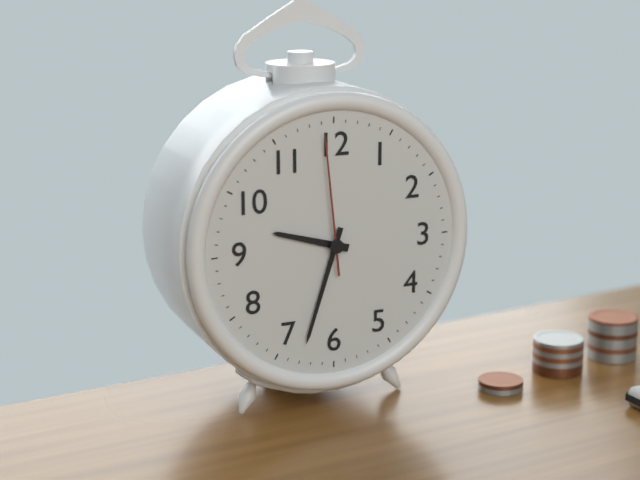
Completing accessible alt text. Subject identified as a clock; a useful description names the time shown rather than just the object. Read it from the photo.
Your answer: 9:33:59
